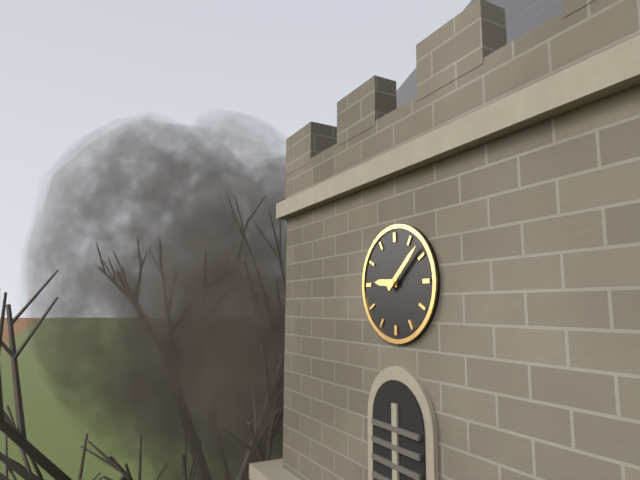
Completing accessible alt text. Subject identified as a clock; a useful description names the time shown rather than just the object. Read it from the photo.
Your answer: 9:08
